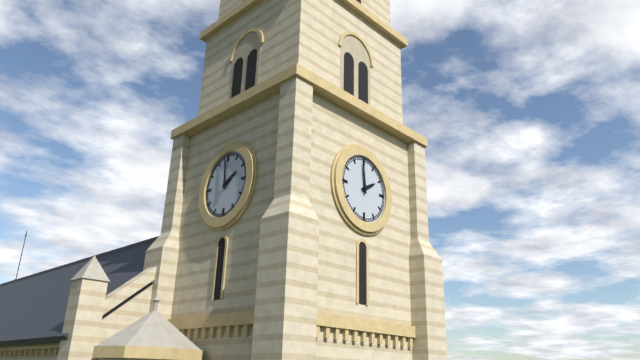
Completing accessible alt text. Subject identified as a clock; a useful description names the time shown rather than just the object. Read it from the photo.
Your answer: 1:59
